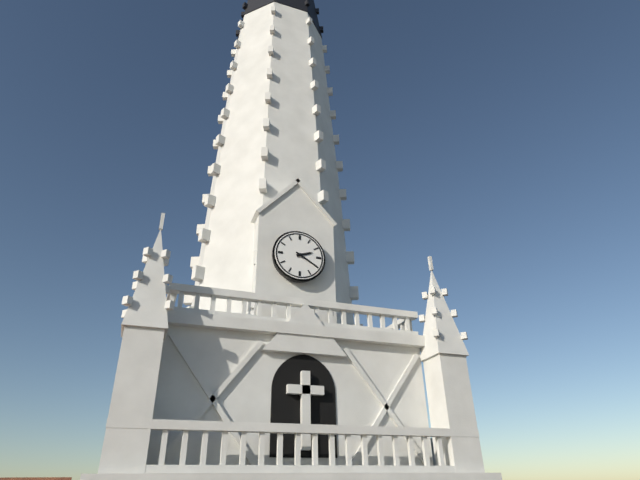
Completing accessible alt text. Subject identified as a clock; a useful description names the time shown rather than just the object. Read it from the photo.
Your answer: 2:20
